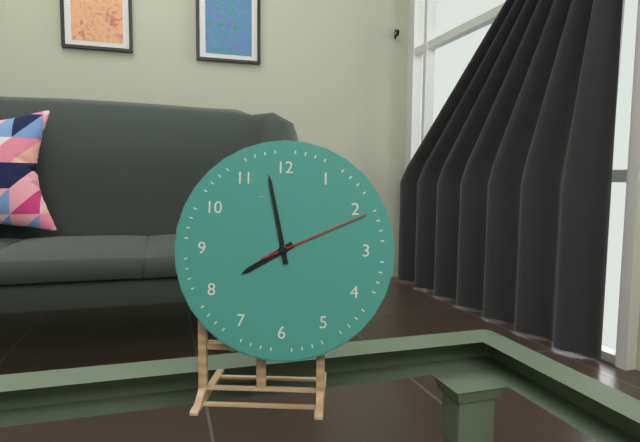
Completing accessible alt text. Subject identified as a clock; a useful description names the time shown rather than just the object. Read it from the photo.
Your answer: 7:58:11
